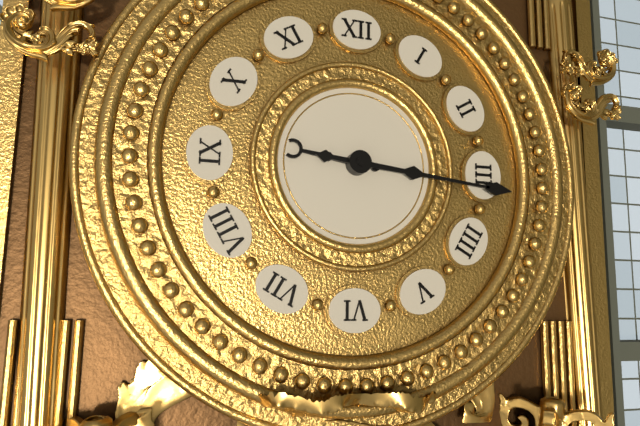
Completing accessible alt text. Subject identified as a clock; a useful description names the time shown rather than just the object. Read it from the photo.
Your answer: 9:16
